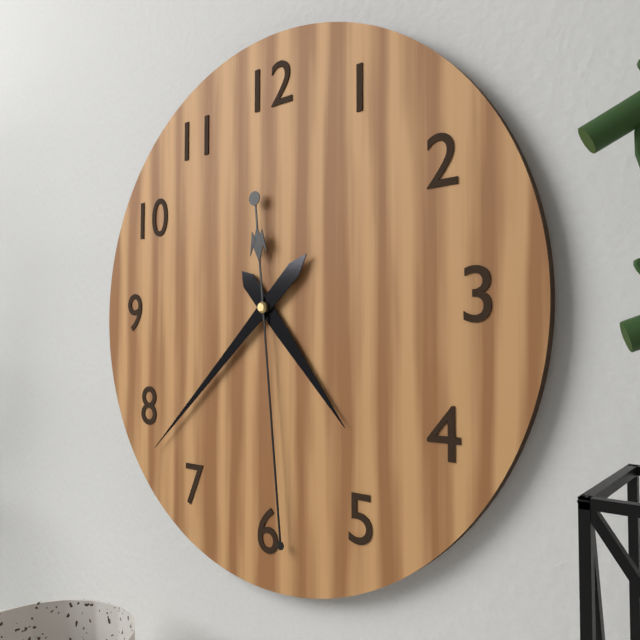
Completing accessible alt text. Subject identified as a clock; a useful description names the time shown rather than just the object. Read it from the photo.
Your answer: 4:38:29
